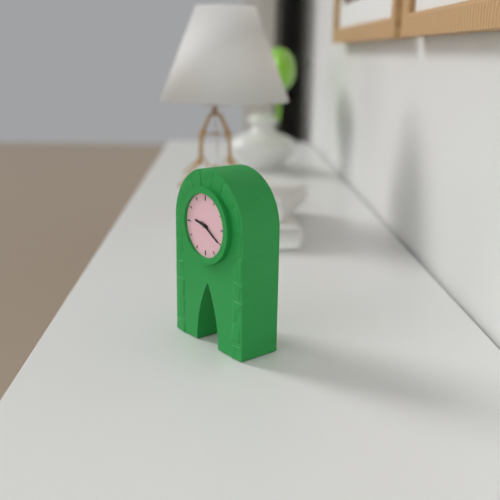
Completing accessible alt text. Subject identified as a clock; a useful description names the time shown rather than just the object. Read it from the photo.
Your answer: 9:20
